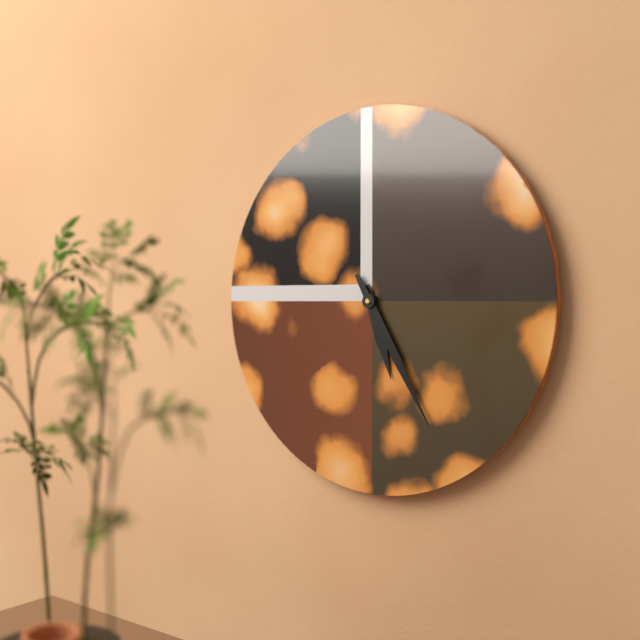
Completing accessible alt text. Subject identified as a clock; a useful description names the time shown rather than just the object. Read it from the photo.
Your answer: 5:25
